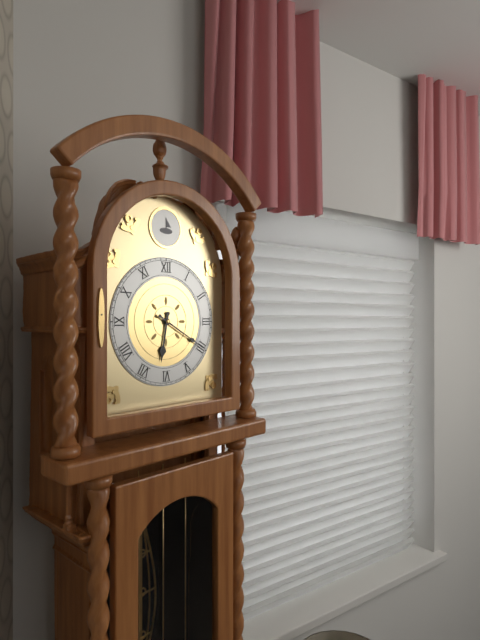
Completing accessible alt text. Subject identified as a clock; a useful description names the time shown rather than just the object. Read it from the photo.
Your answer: 6:20
